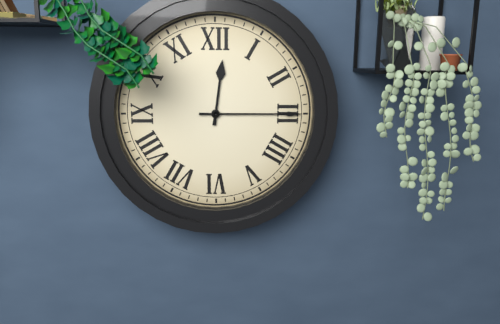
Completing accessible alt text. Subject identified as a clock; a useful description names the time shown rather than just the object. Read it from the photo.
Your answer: 12:15
